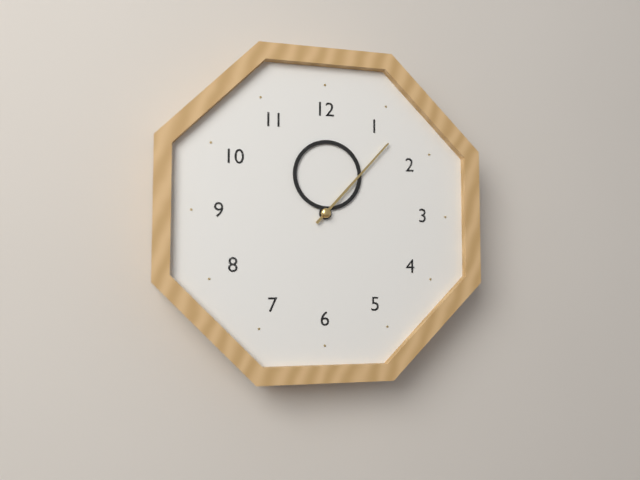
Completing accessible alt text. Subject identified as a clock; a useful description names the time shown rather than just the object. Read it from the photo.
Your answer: 12:07
